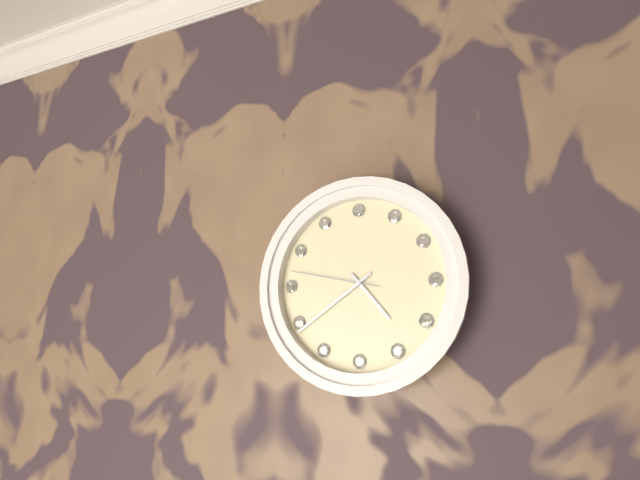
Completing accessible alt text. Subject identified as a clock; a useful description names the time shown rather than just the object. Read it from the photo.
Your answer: 4:39:47
